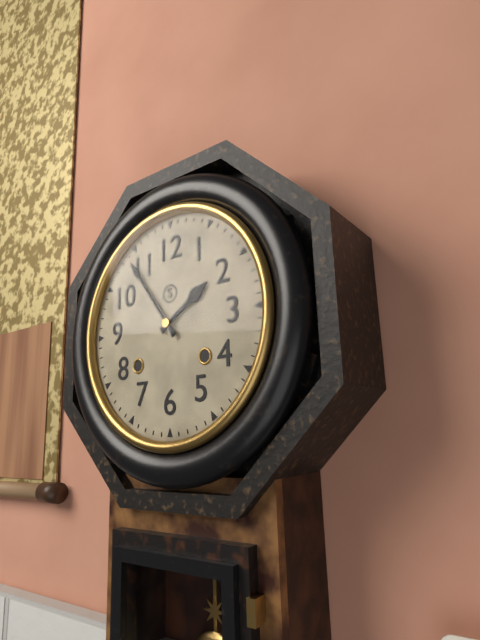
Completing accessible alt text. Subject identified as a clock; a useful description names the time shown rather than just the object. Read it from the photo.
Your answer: 1:54
